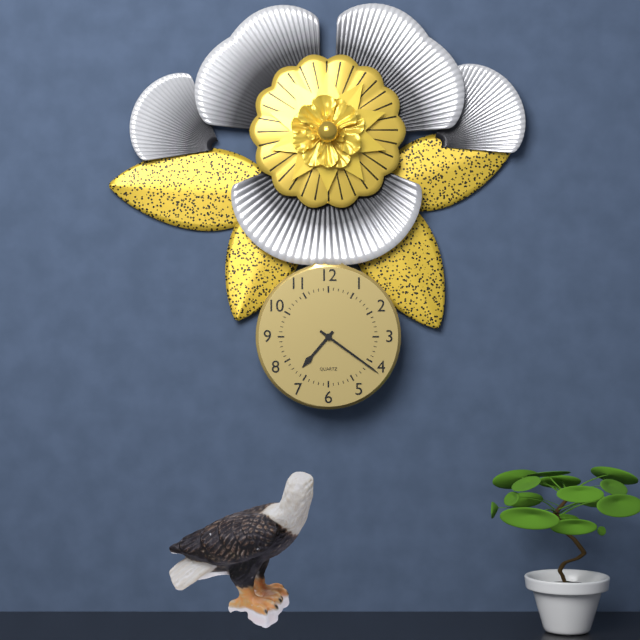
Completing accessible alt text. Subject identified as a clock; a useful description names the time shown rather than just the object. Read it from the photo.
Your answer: 7:21
